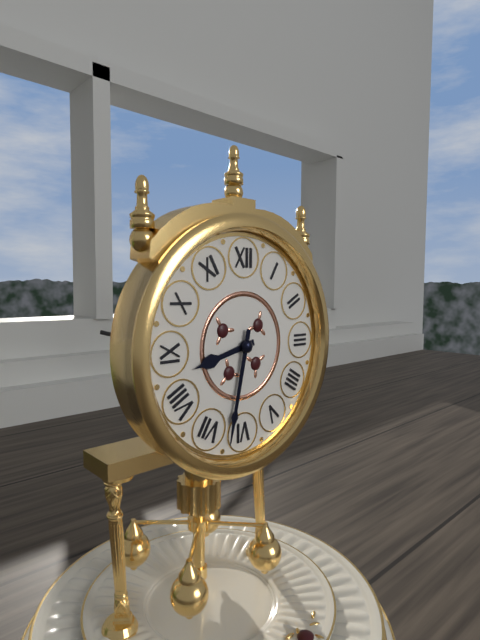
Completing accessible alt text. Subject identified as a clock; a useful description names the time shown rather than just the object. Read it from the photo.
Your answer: 8:32
